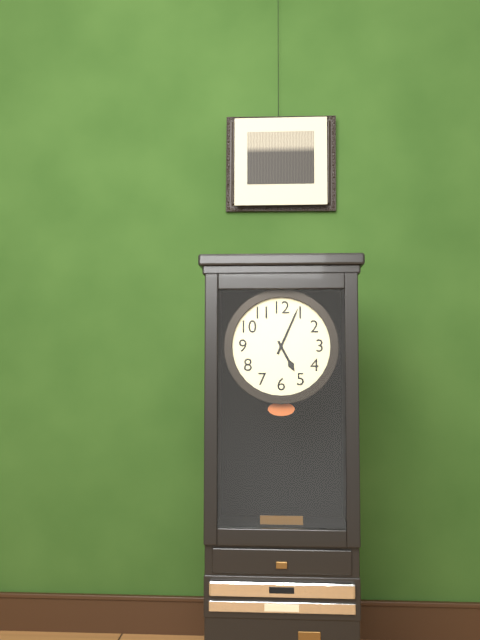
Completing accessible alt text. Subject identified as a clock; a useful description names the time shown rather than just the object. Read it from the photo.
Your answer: 5:04
